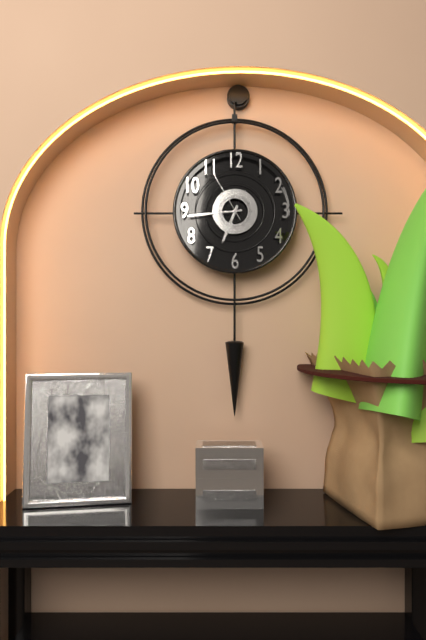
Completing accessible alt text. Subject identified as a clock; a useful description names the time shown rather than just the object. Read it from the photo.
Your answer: 6:44:55
